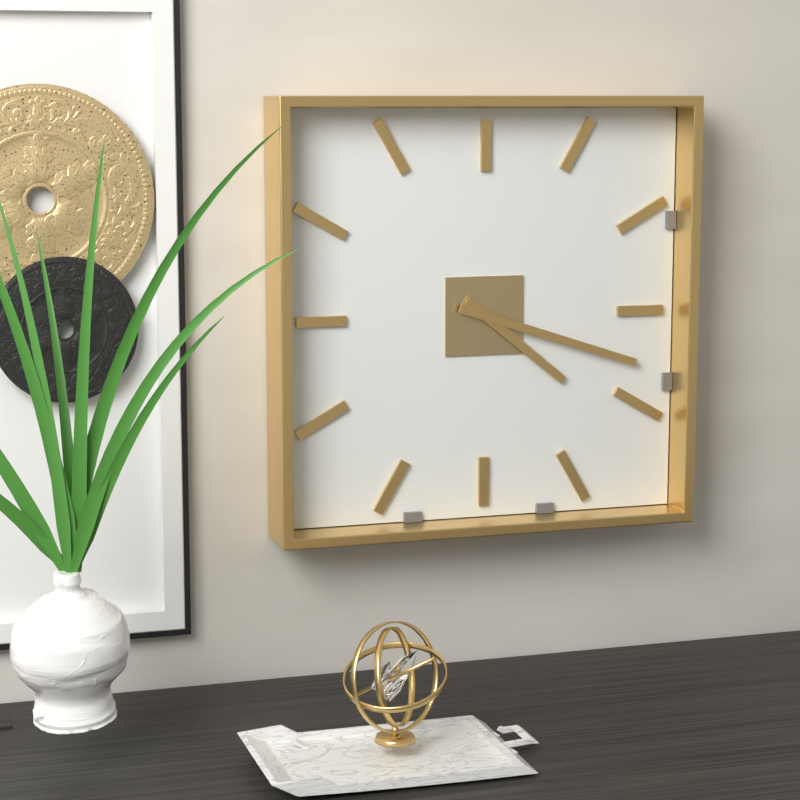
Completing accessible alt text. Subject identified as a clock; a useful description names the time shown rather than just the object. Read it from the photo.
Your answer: 4:18
